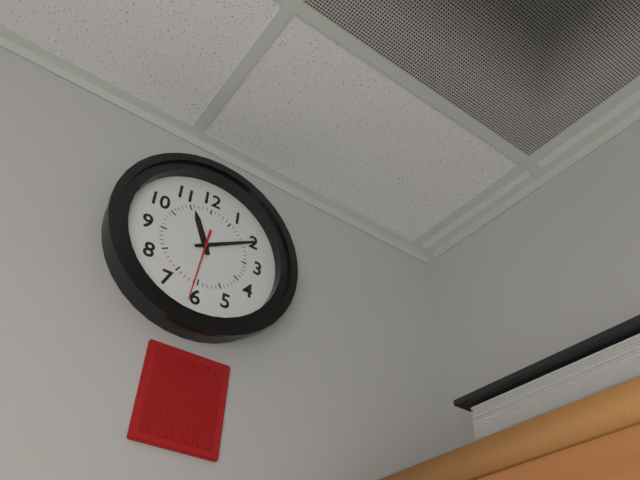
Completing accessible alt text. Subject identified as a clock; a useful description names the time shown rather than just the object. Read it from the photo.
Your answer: 11:10:31
